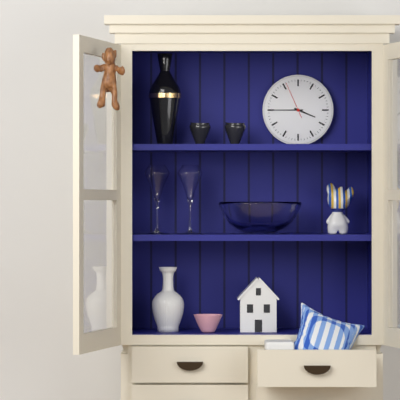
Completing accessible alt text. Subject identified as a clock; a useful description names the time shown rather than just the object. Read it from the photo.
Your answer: 3:45
